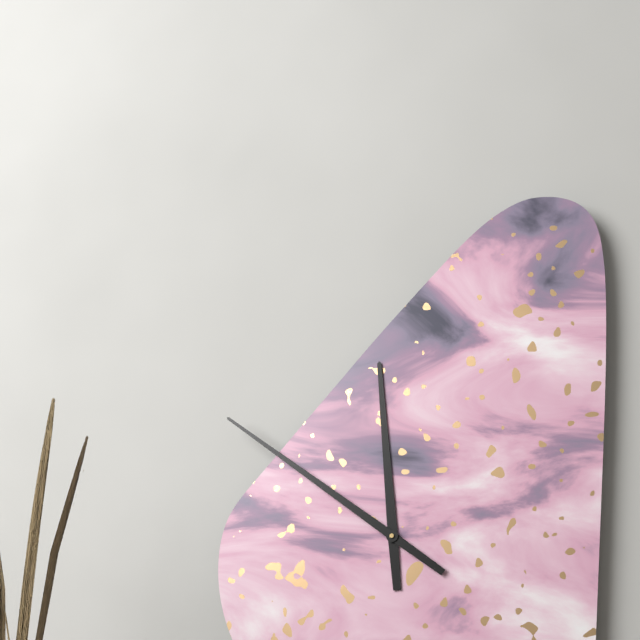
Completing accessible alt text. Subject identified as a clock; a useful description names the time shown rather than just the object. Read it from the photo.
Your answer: 11:51
